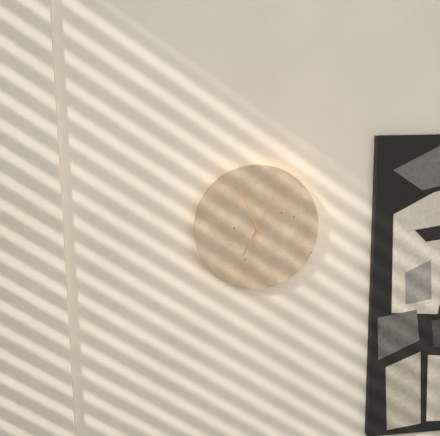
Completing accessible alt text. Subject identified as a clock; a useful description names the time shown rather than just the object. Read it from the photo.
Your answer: 6:56:04
